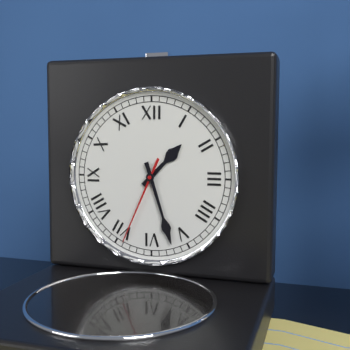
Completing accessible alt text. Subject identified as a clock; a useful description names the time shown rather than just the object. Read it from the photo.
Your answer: 1:27:34
